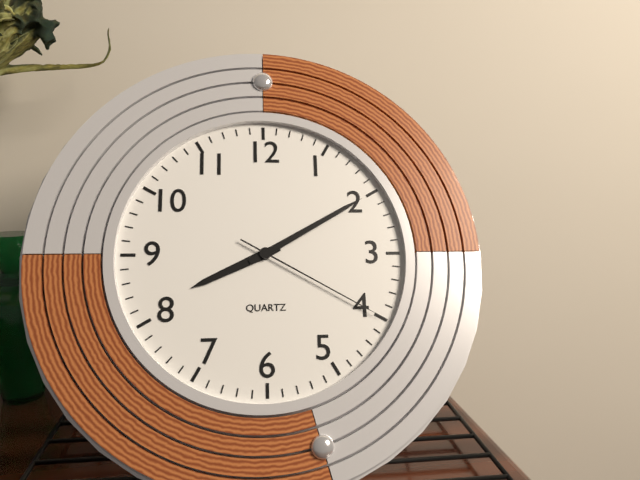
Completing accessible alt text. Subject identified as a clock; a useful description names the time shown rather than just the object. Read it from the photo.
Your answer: 8:10:20
